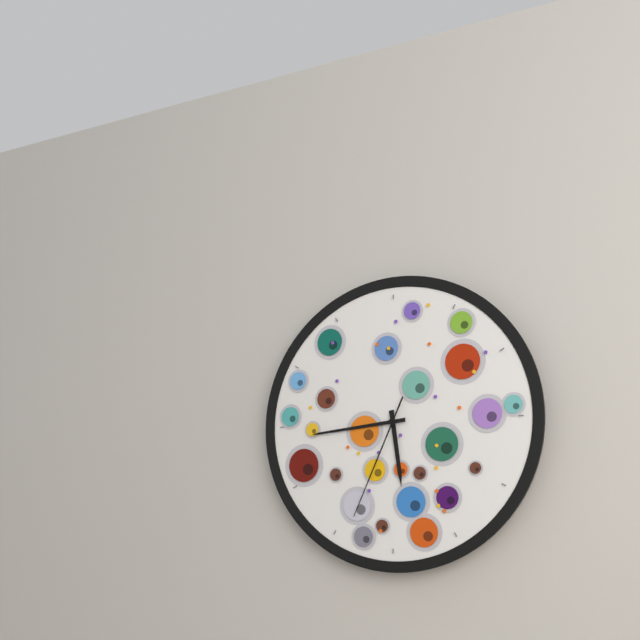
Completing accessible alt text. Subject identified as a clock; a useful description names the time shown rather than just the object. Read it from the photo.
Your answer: 5:44:34
